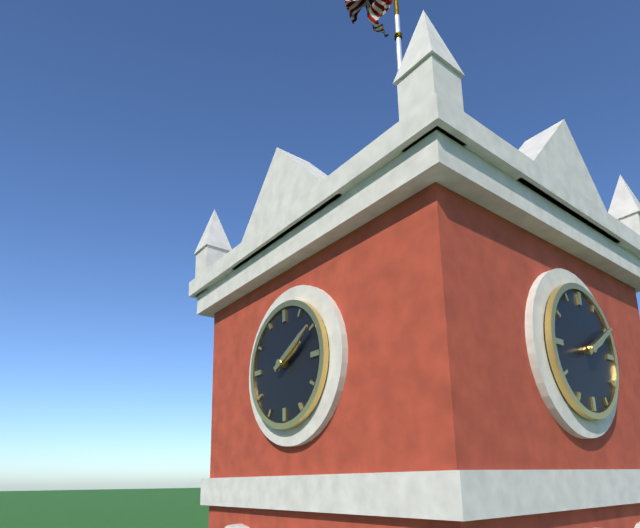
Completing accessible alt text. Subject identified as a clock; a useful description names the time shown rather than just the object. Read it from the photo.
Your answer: 2:10
